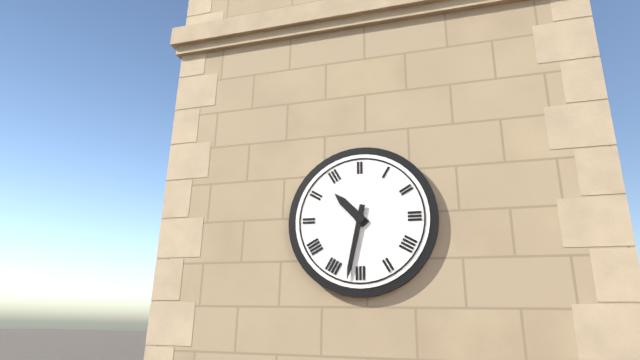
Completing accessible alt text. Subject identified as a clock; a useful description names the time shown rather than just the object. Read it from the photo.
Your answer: 10:32
